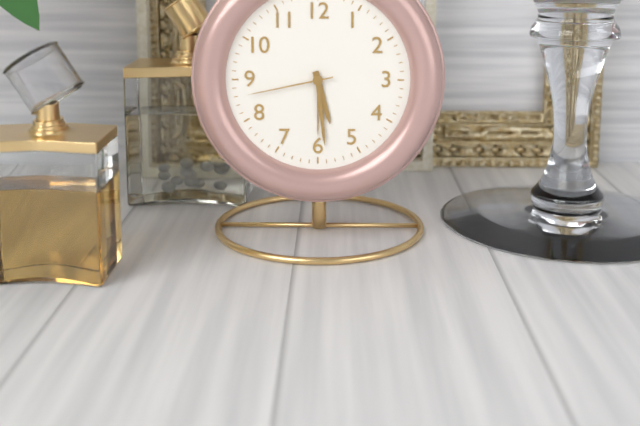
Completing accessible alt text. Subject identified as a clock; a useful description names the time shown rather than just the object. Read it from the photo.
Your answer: 5:29:43
